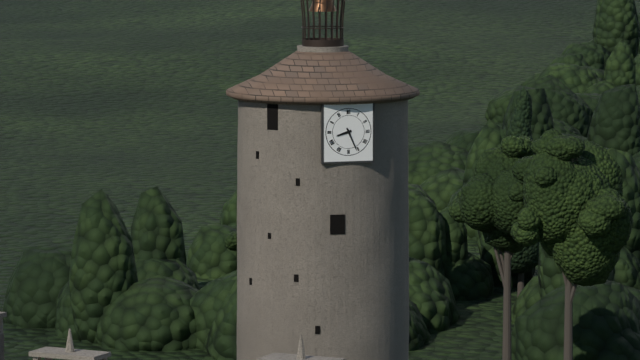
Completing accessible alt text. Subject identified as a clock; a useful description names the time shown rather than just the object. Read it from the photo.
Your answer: 8:26
